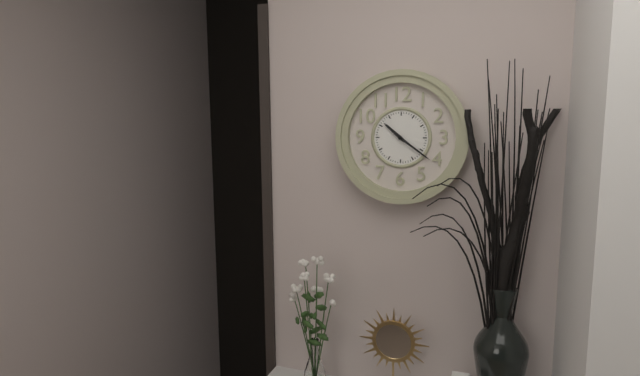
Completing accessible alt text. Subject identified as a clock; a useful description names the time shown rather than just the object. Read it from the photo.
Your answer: 10:21
